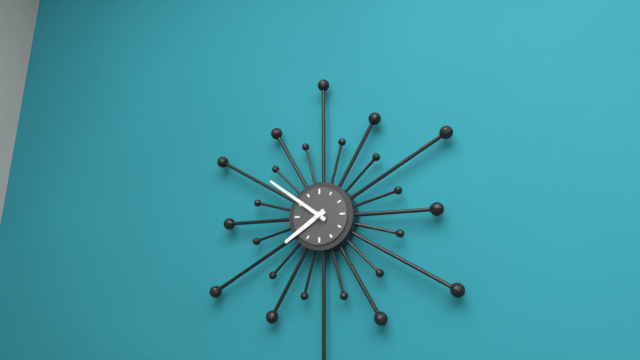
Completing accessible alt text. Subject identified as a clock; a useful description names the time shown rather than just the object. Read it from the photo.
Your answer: 7:51
